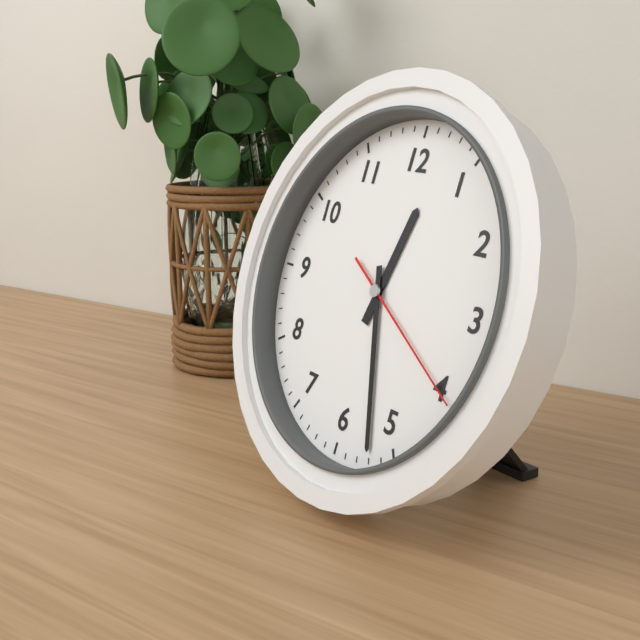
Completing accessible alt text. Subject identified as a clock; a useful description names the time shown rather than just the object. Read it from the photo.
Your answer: 12:27:20
